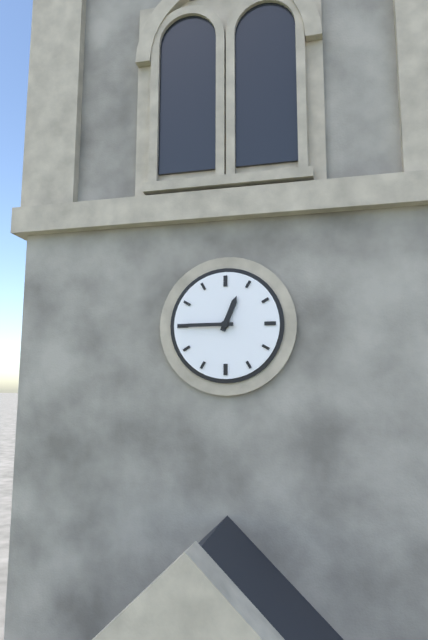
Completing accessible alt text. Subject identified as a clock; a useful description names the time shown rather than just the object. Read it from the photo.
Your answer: 12:45
